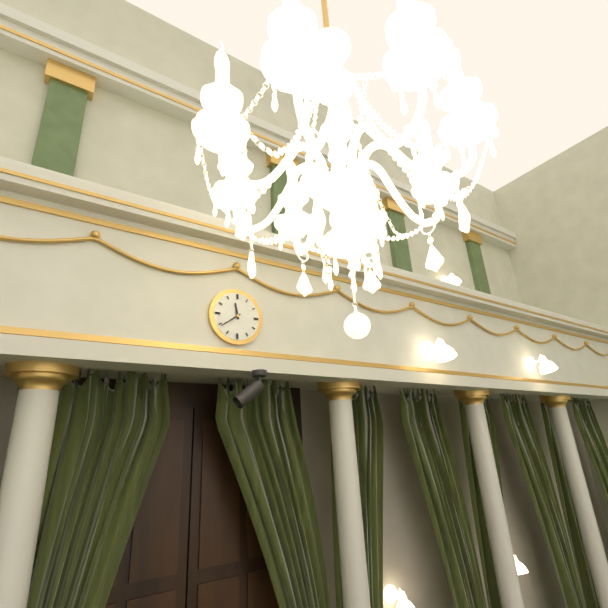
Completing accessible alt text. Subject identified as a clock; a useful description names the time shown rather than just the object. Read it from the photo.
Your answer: 11:39
